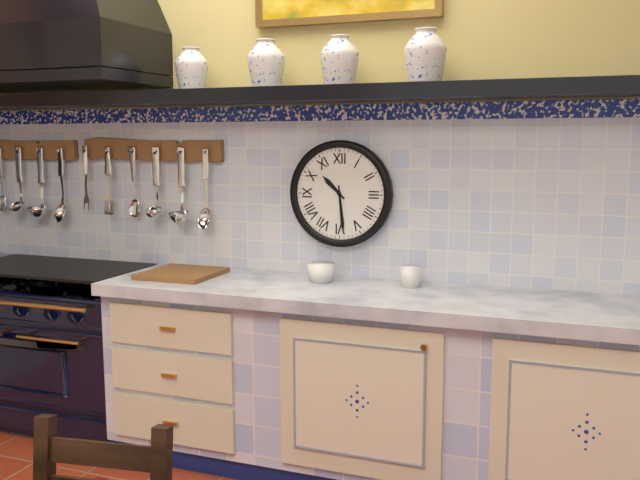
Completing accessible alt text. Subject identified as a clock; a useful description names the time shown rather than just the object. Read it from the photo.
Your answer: 10:29
